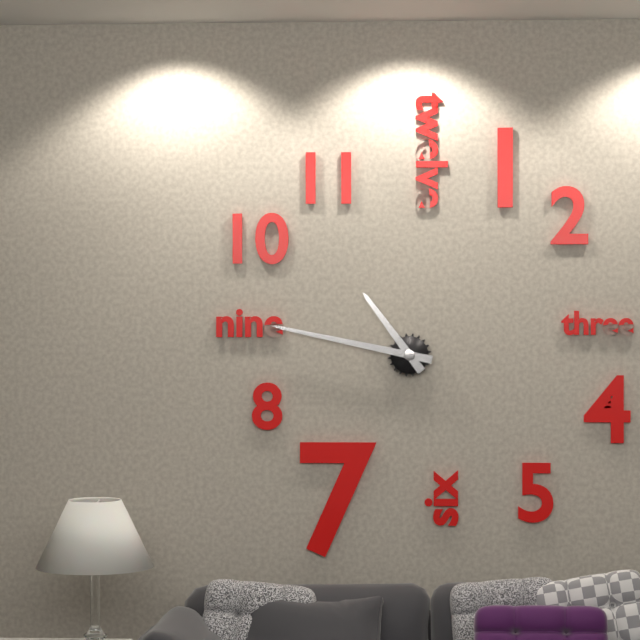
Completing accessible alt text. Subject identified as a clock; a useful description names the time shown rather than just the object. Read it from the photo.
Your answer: 10:47
